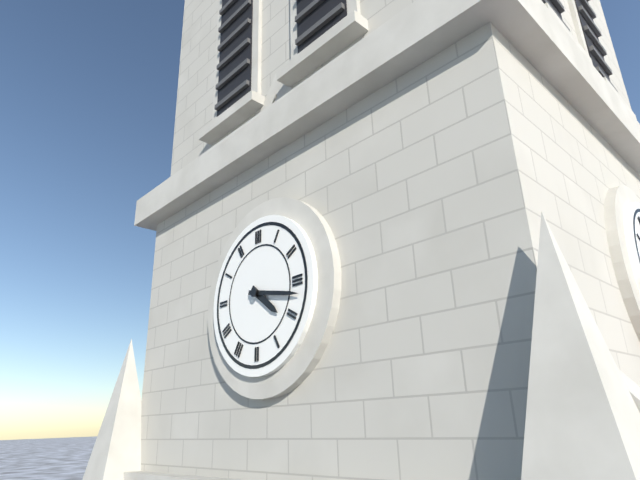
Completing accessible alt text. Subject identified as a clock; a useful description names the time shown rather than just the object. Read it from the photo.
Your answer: 4:17
